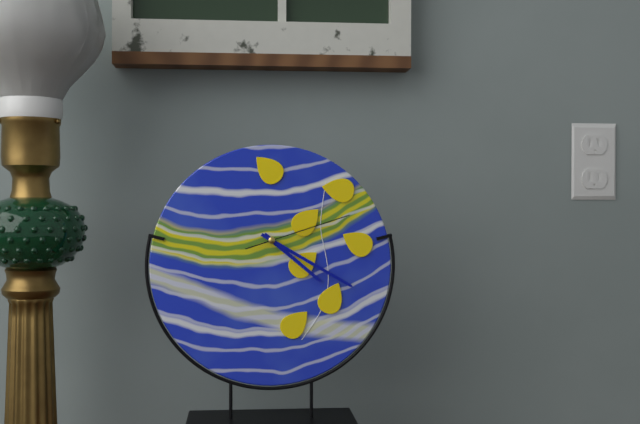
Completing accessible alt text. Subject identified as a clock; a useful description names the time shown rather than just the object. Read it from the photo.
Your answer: 4:20:12
